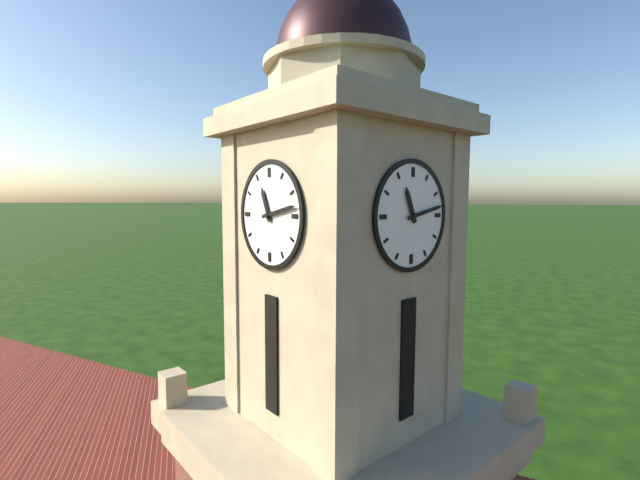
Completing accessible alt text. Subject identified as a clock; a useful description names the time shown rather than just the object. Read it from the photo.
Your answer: 11:13
